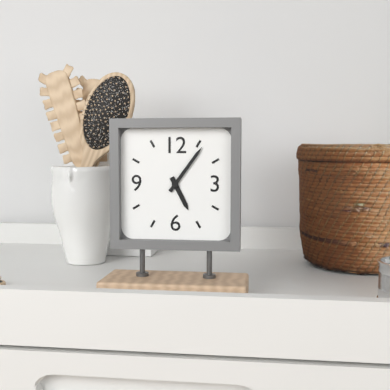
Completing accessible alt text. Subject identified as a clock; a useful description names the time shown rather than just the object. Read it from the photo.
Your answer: 5:06
